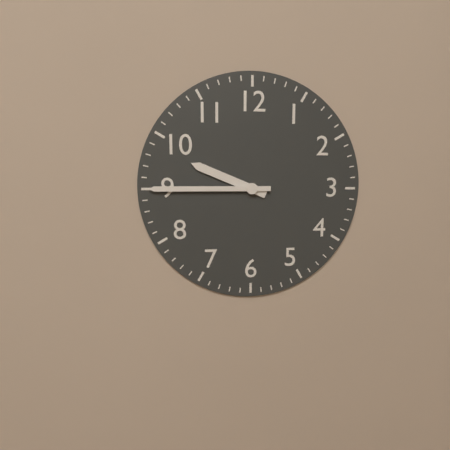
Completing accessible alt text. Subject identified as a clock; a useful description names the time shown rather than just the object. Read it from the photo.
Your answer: 9:45
